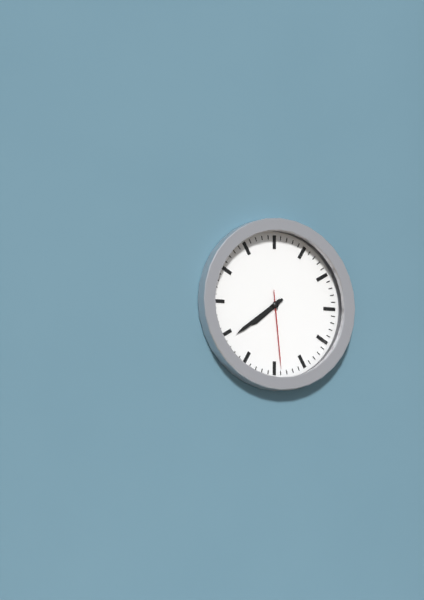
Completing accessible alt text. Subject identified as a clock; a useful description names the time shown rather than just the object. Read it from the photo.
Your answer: 7:39:29
